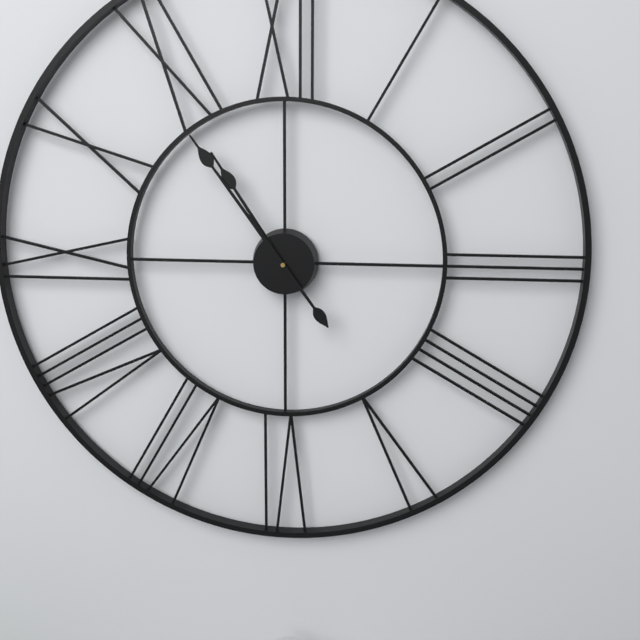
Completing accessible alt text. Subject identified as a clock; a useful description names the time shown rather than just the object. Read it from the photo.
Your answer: 10:54
